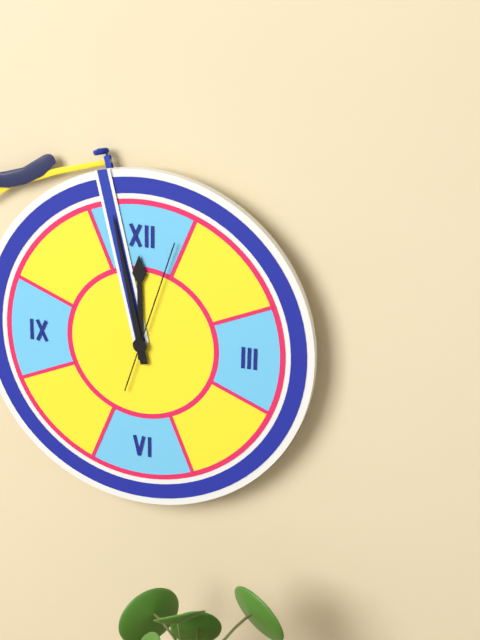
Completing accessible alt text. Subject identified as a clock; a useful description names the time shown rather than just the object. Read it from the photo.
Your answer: 11:58:03
